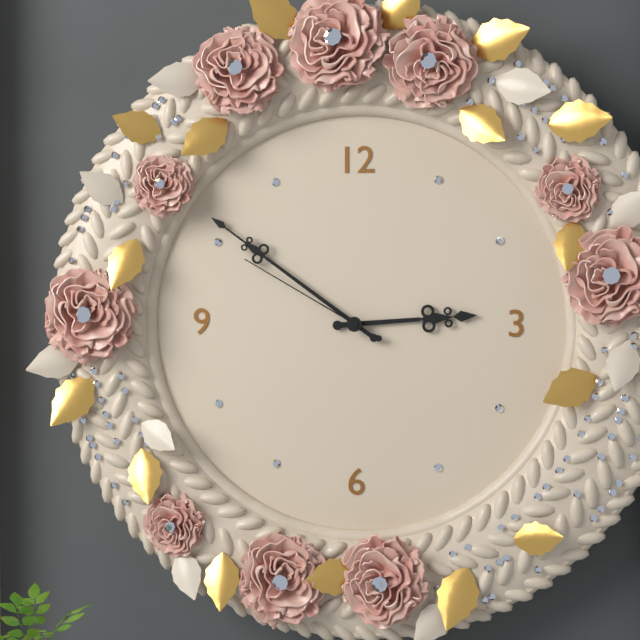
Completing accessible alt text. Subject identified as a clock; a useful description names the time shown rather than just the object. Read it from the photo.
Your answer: 2:51:50
